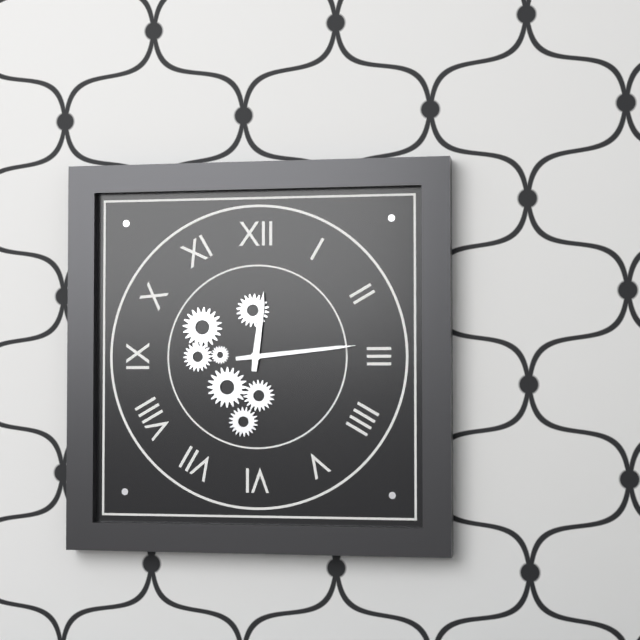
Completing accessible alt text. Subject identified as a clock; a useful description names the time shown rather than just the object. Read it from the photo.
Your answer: 12:14
